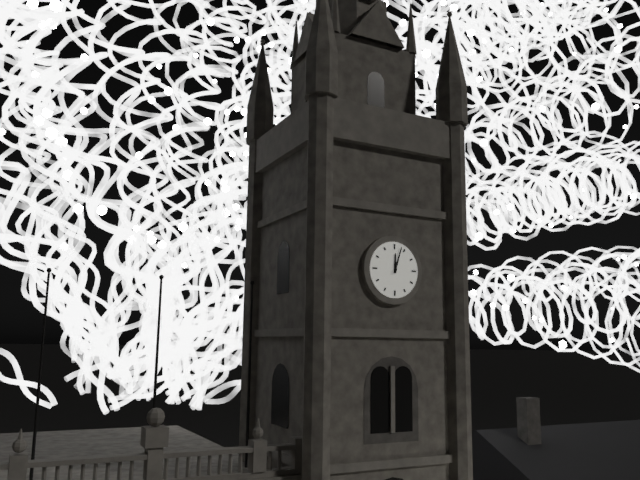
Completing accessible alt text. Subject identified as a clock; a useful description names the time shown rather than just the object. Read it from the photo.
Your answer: 12:03
